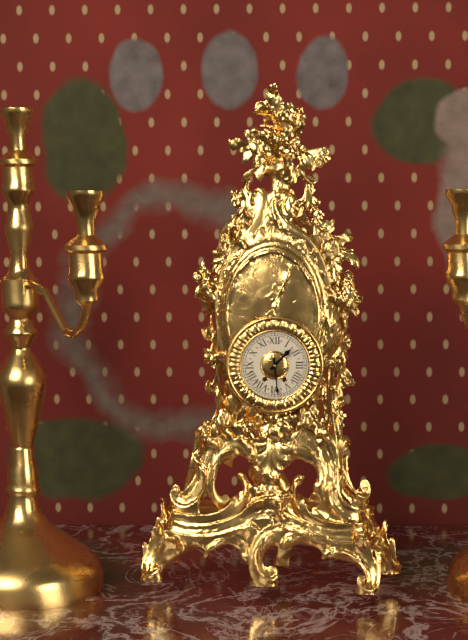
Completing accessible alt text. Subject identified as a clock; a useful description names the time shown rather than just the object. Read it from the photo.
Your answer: 1:29
